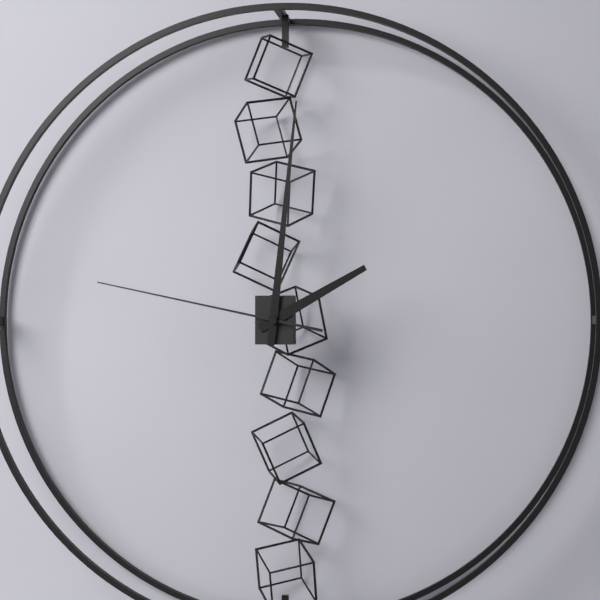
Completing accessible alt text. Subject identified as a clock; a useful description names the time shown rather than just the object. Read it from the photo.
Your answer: 2:01:47
